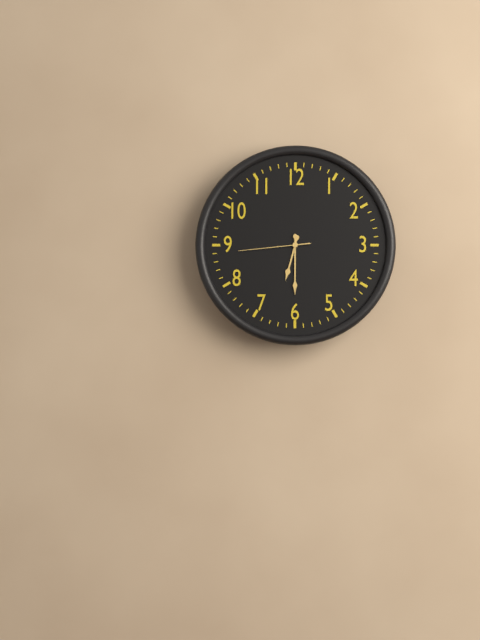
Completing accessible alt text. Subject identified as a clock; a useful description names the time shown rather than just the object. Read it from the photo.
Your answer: 6:30:44
